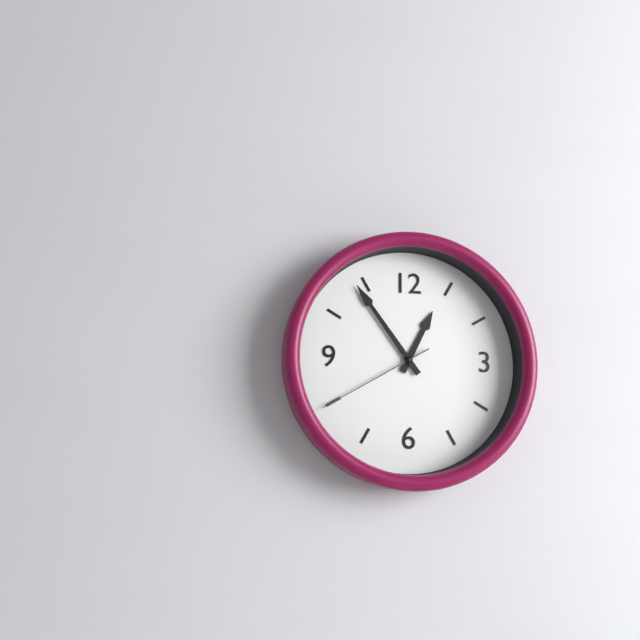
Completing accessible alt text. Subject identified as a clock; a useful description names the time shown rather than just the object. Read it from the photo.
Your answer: 12:54:40
